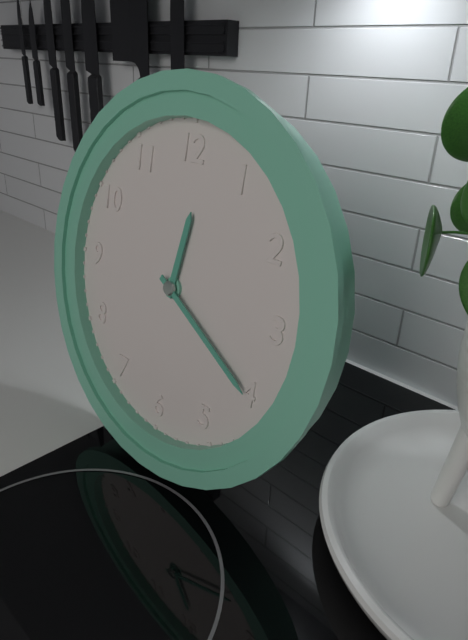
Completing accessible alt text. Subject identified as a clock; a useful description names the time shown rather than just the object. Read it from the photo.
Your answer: 12:20
